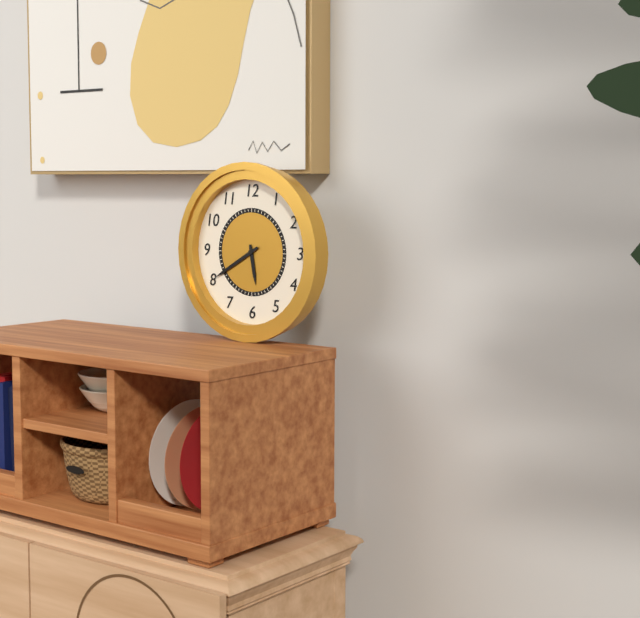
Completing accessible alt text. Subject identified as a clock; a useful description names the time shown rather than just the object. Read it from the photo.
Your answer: 5:40
